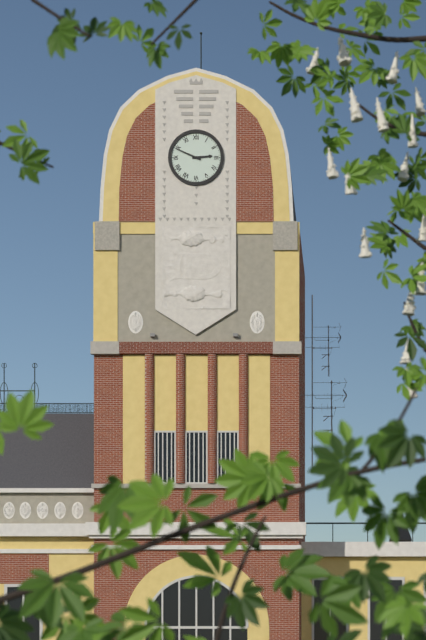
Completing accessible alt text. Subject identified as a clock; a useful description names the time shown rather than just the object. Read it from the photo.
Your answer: 2:49
